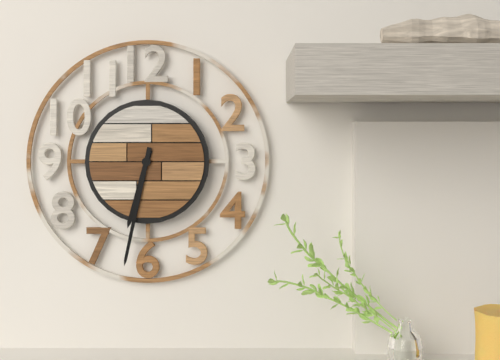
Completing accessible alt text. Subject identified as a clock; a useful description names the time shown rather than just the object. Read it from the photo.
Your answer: 6:32
